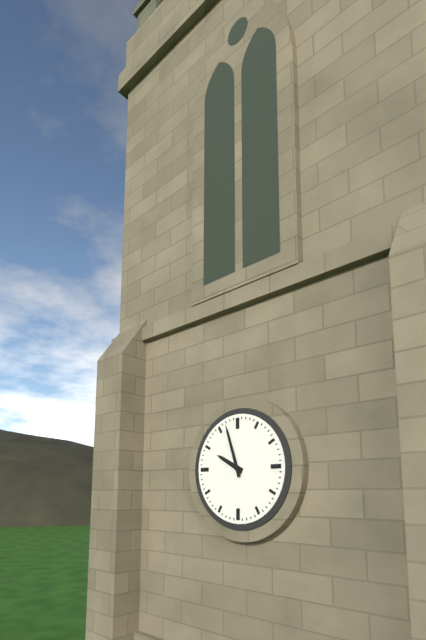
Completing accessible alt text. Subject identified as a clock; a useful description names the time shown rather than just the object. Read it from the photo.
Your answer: 9:57
